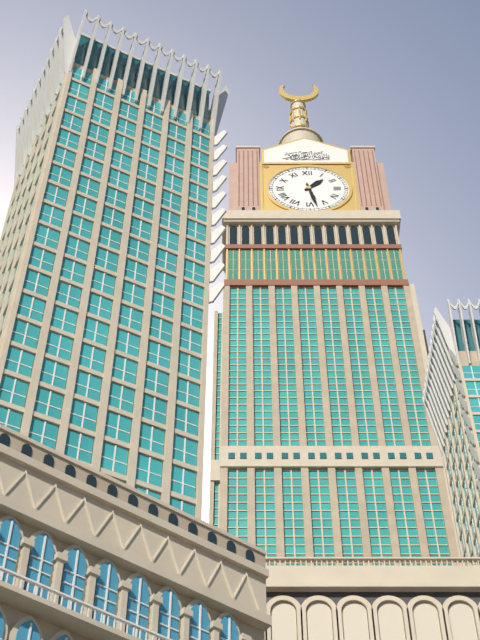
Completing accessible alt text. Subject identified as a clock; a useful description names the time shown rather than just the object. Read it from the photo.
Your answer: 1:28
